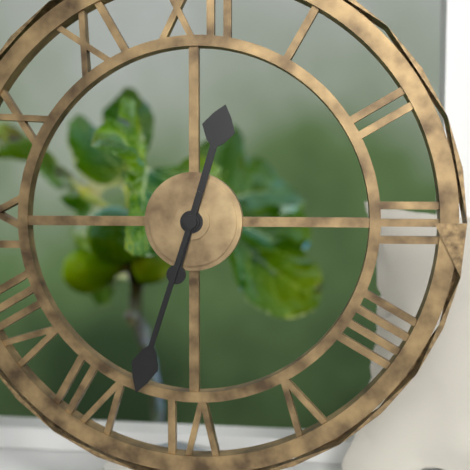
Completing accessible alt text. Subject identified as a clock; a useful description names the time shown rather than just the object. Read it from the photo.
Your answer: 12:33
